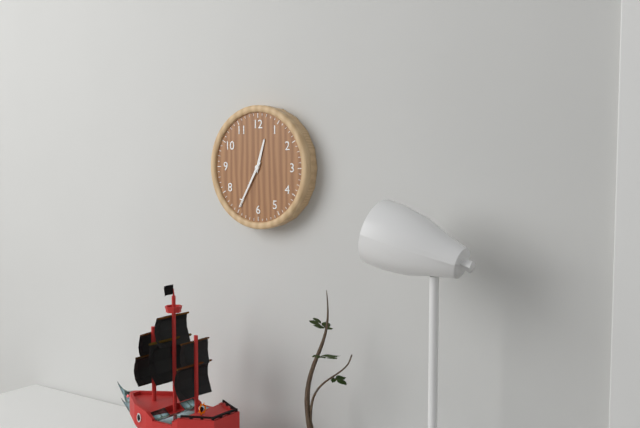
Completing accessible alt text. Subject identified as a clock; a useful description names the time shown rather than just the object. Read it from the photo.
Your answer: 12:35
